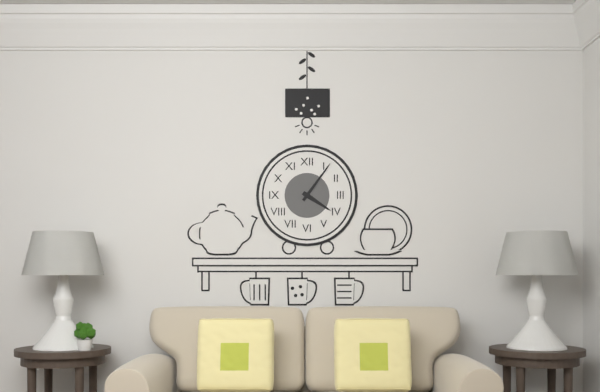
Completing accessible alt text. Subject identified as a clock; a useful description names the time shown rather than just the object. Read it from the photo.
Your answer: 4:06
